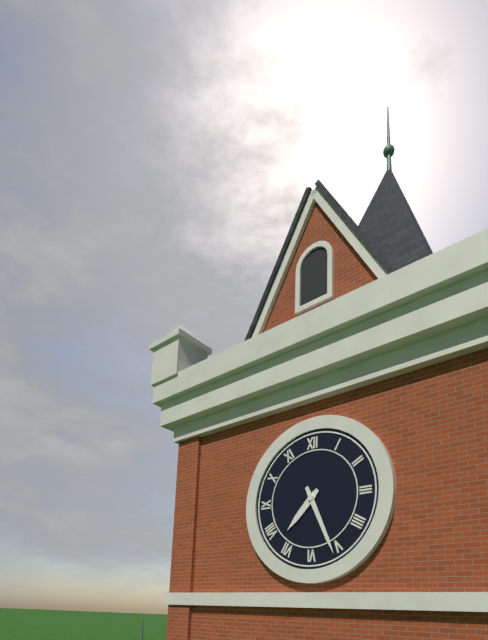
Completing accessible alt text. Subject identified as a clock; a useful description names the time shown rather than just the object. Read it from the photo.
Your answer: 7:26
